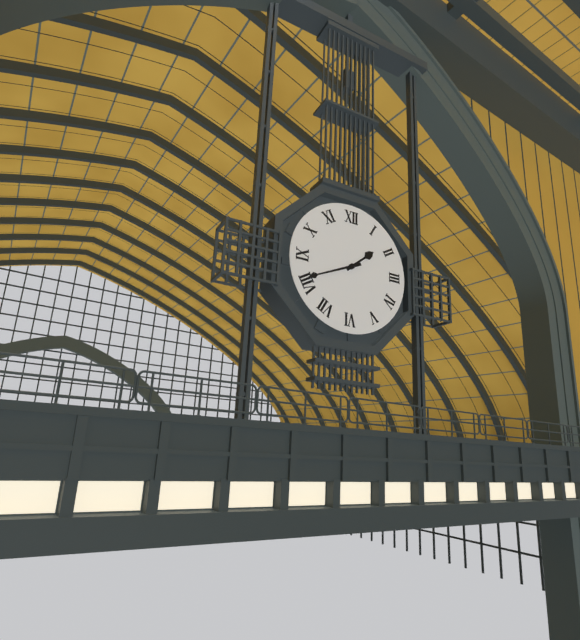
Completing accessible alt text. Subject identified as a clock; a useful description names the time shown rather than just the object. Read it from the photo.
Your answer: 1:41
